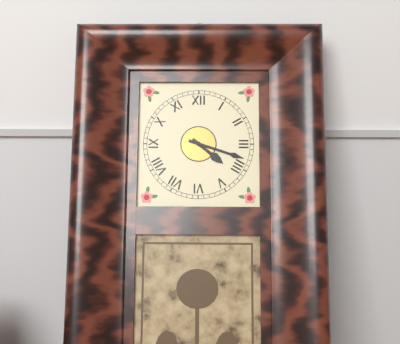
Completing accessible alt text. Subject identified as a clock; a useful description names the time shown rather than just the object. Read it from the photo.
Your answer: 4:18
